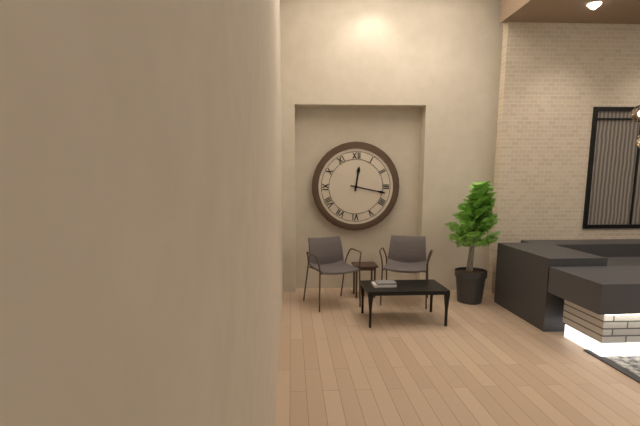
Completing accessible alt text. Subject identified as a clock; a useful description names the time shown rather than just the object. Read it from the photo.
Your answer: 12:17
